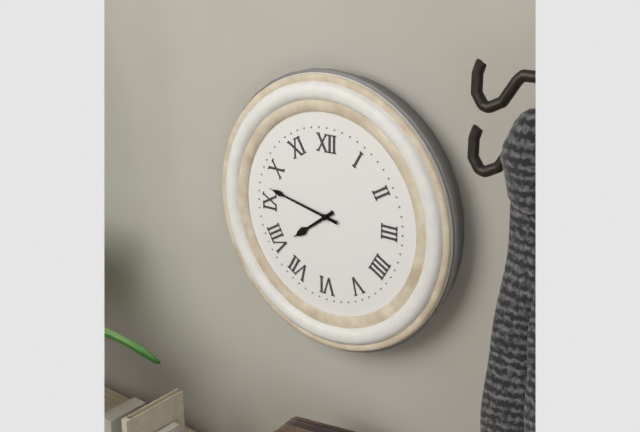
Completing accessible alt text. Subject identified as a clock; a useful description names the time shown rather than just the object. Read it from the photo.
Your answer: 7:47
